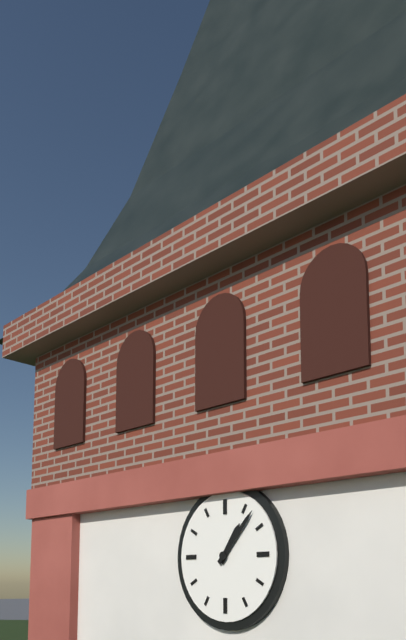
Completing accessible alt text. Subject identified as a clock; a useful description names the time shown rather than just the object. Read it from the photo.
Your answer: 1:07
